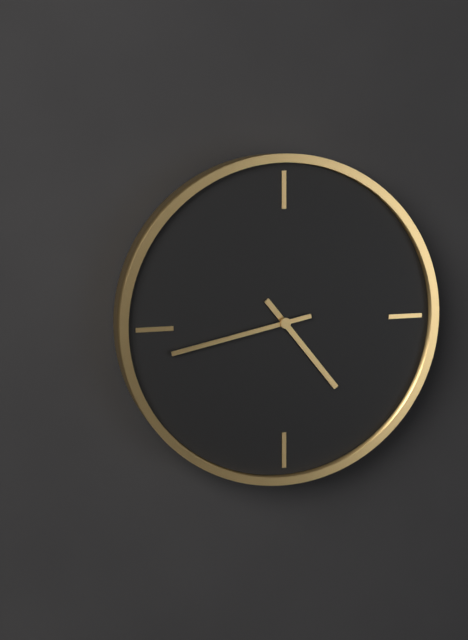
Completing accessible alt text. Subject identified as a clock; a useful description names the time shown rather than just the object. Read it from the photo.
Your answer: 4:43
